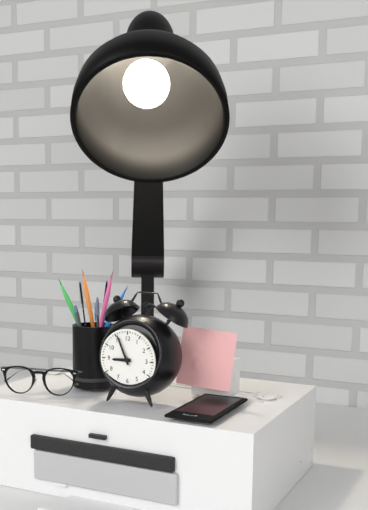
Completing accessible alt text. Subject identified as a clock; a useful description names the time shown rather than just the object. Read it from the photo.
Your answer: 8:56
